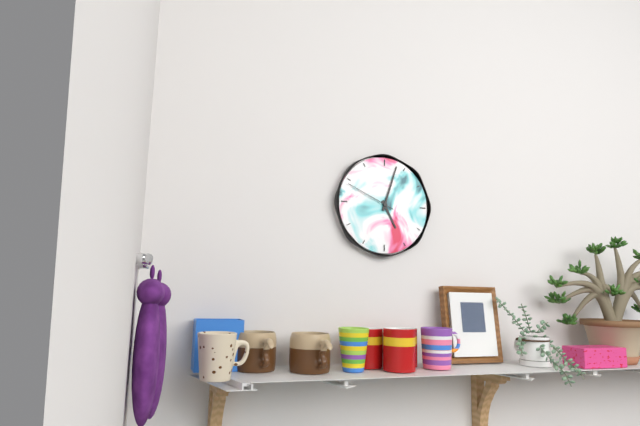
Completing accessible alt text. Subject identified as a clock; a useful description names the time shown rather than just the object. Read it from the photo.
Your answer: 5:03:49
